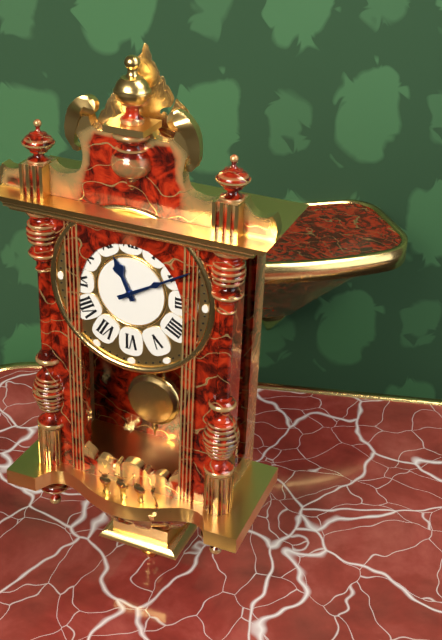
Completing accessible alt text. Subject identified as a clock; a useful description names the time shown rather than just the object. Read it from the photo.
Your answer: 11:10
